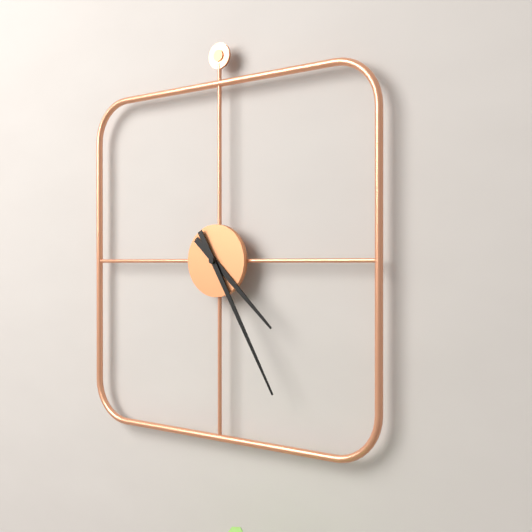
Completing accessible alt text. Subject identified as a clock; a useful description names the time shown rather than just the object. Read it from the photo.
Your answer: 4:25
